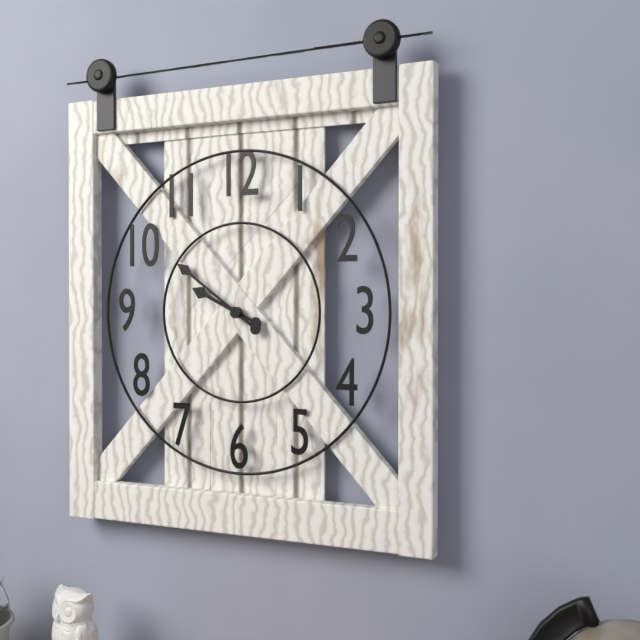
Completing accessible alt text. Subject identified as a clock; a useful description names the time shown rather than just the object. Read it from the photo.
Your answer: 9:51
